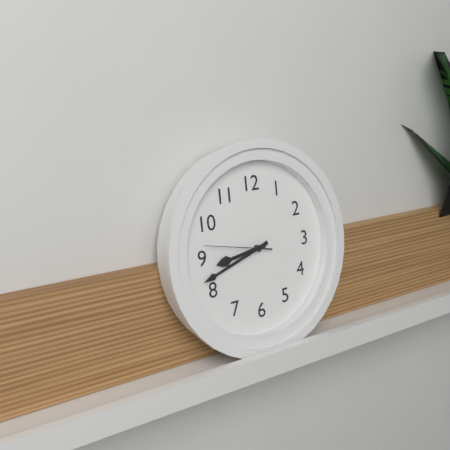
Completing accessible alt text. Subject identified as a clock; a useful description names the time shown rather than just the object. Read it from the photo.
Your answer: 8:42:47
